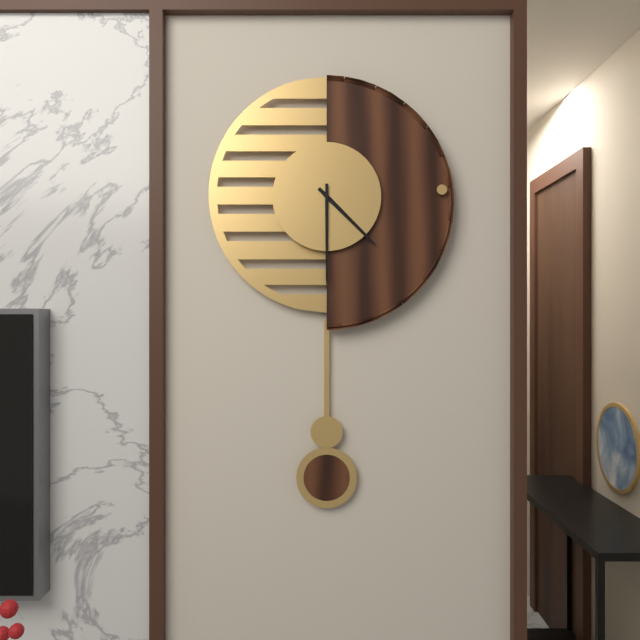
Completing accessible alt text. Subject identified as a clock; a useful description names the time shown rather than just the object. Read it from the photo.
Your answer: 4:30
